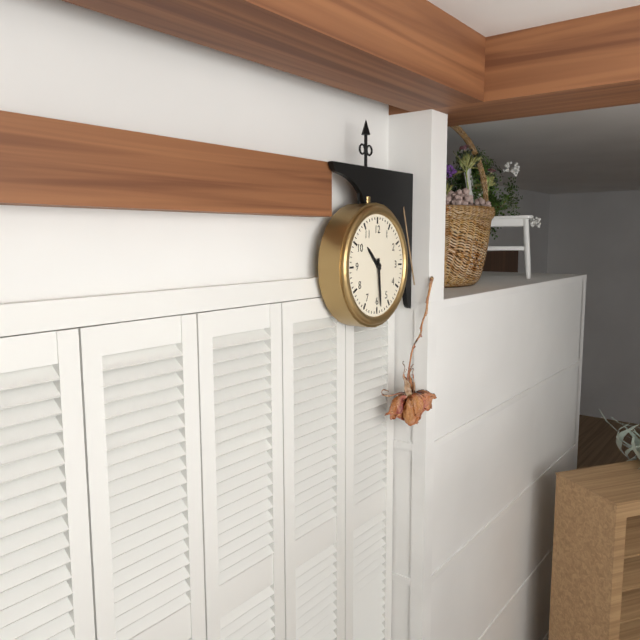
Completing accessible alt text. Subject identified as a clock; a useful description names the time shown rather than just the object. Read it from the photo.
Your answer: 10:29
